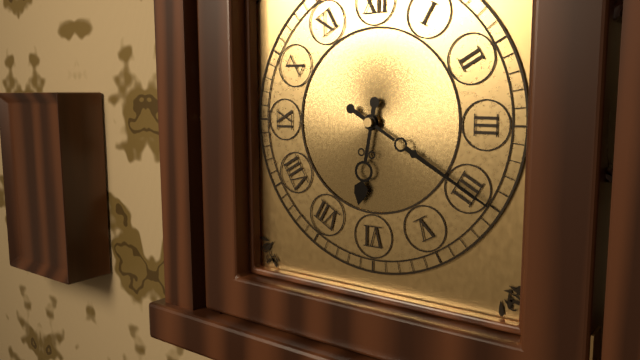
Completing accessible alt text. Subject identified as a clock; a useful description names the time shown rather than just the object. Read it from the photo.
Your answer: 6:20
